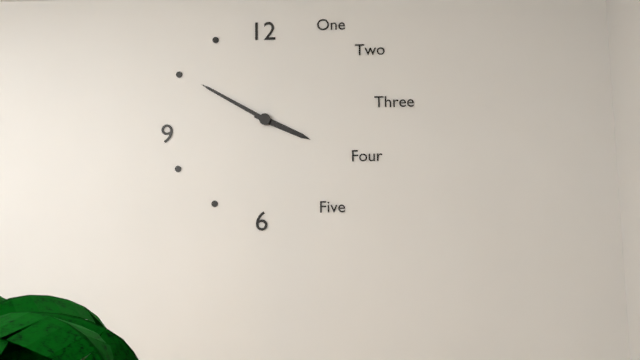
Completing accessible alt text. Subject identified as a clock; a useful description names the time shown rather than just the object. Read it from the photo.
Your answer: 3:50
